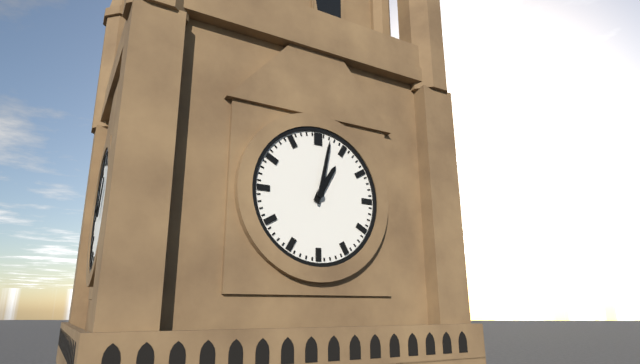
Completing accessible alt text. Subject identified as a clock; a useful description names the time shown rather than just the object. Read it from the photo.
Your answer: 1:02
